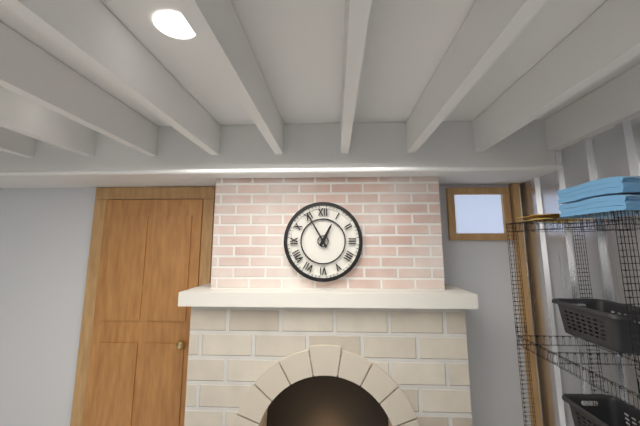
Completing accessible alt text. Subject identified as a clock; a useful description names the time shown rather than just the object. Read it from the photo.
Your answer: 12:55
